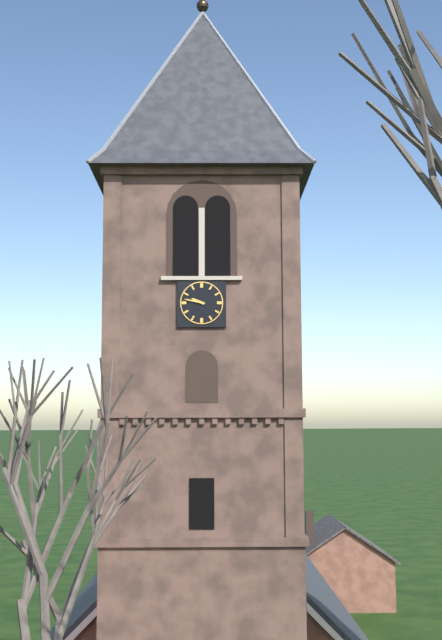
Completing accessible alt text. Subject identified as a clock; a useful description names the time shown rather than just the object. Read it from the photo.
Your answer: 9:47
